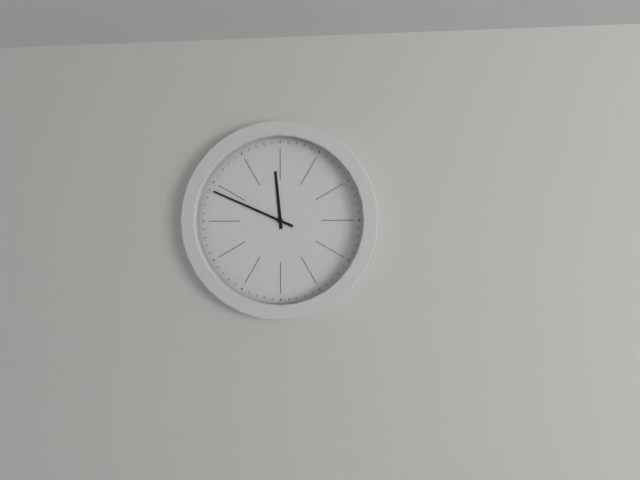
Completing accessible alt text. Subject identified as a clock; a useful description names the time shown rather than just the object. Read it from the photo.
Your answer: 11:49
